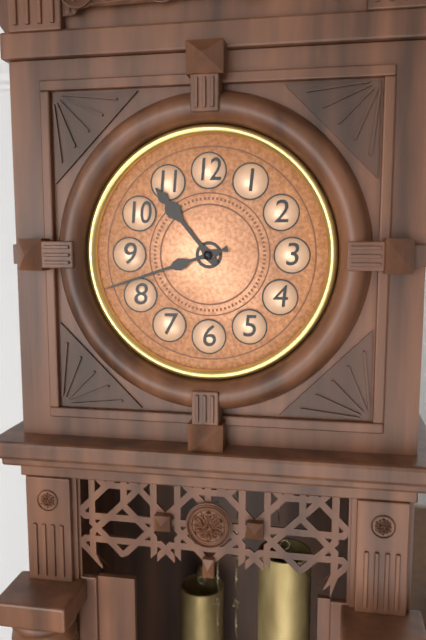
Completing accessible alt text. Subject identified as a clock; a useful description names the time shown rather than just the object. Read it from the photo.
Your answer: 10:42
